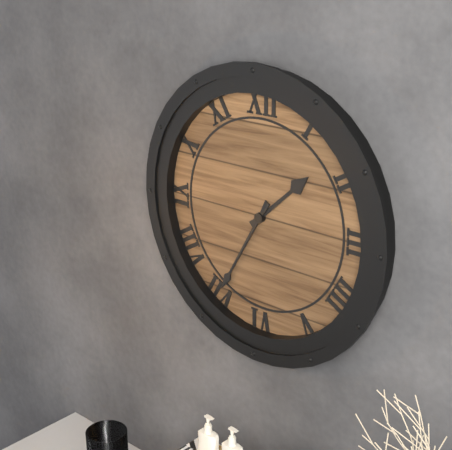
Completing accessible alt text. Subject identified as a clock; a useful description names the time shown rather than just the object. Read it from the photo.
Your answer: 1:35
